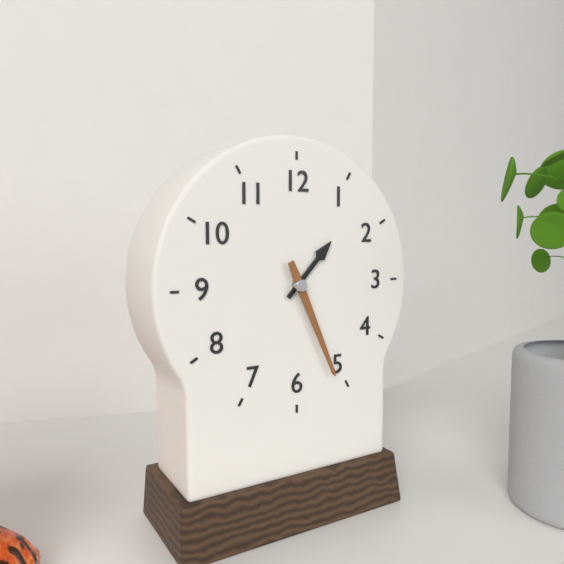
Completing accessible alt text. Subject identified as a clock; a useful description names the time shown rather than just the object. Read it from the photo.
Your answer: 1:26
